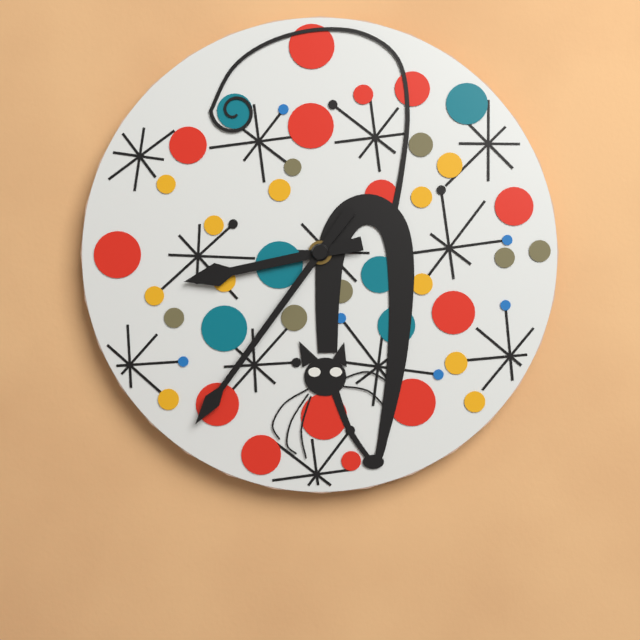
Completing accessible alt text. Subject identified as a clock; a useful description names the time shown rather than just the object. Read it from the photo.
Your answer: 8:36
